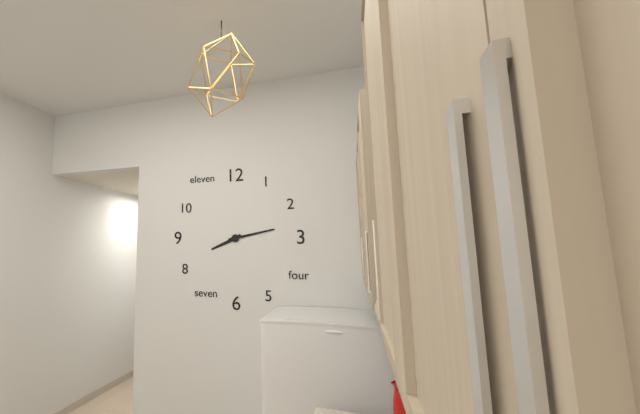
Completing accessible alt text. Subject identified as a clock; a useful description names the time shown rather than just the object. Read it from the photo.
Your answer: 8:13
